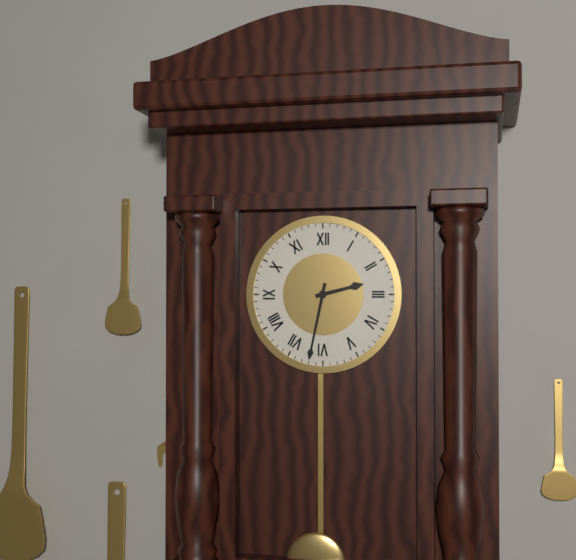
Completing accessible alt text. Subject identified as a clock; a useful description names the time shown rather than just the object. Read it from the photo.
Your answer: 2:32
